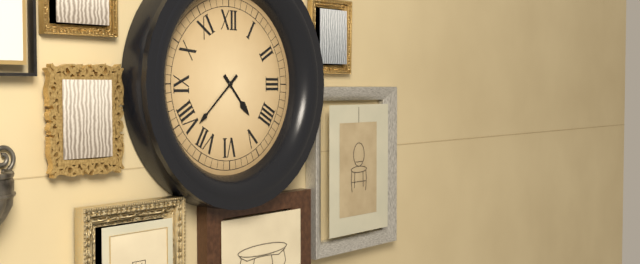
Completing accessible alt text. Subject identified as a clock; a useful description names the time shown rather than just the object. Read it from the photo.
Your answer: 4:38
